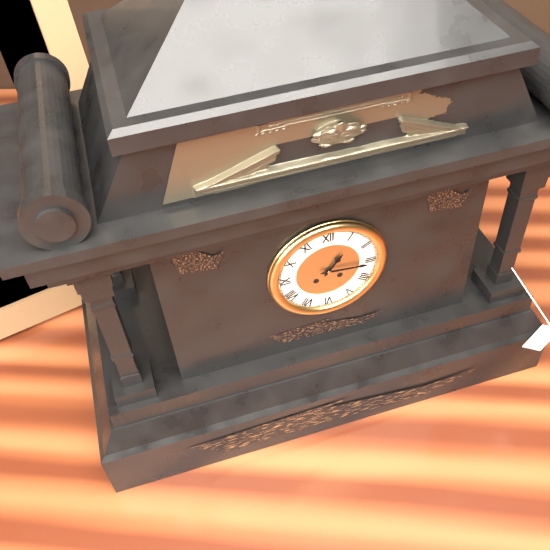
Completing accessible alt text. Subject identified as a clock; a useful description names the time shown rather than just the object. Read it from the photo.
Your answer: 1:16
